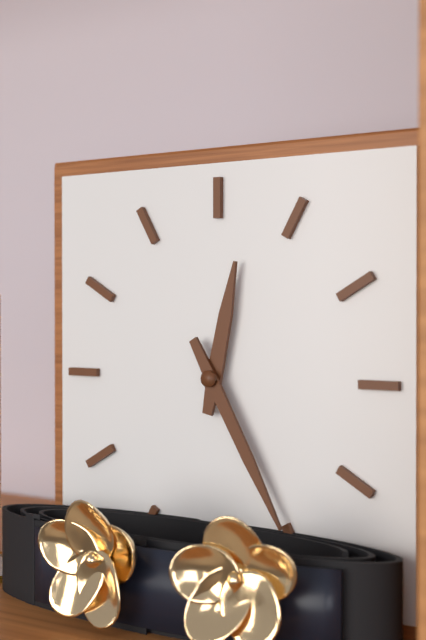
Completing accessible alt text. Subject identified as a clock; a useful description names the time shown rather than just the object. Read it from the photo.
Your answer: 12:25
